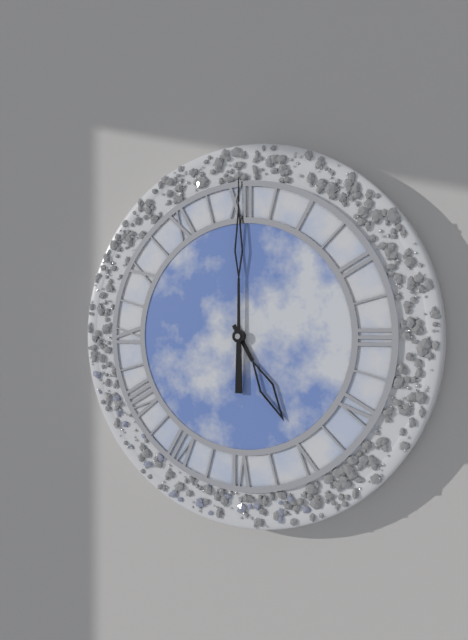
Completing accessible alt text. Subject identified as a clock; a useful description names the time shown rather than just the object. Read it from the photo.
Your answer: 5:00
